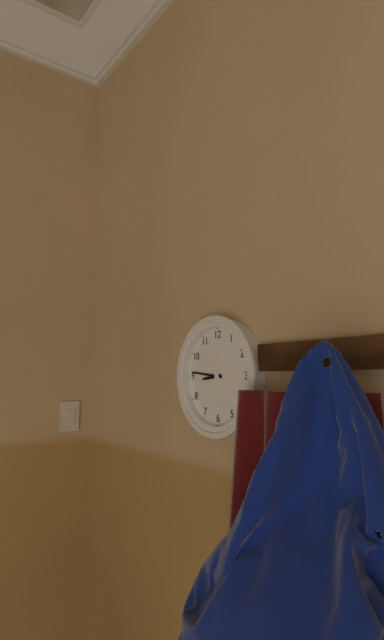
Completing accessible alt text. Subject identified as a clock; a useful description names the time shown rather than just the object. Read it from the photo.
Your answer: 8:46
